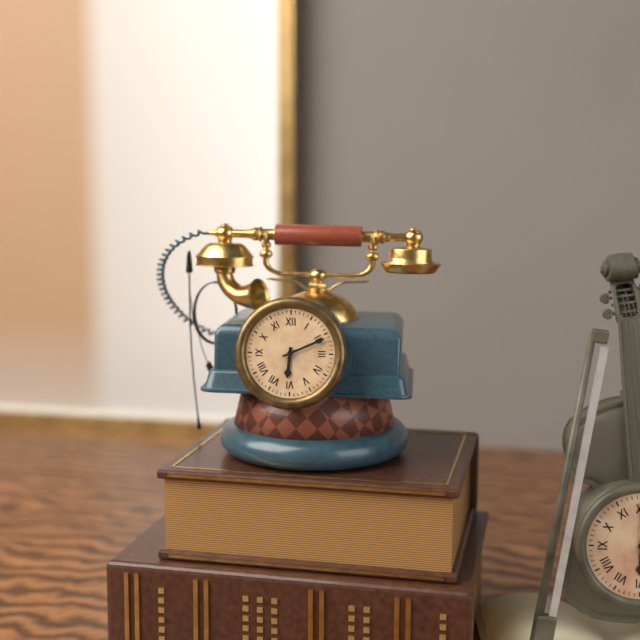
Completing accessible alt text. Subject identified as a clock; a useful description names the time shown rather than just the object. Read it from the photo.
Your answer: 6:11
